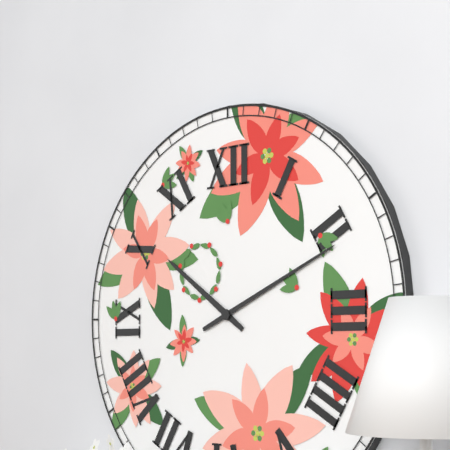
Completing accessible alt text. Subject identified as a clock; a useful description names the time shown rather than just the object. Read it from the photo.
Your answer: 10:11
